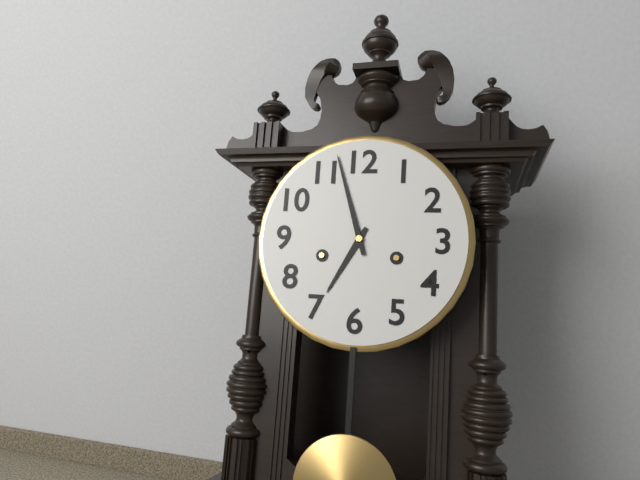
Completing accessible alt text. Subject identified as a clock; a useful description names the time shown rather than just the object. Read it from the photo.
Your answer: 6:57
